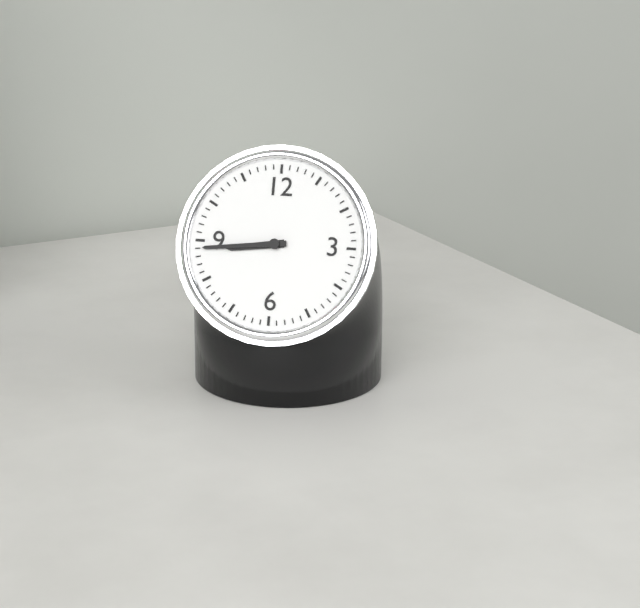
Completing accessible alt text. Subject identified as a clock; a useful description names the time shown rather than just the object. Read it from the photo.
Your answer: 8:44
